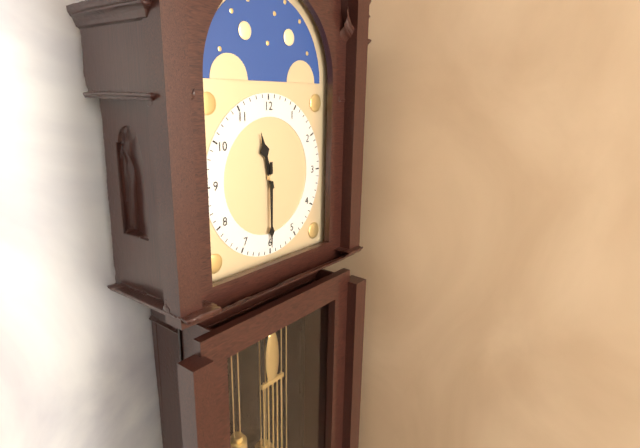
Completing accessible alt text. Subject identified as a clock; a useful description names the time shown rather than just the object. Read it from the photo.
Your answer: 11:30
